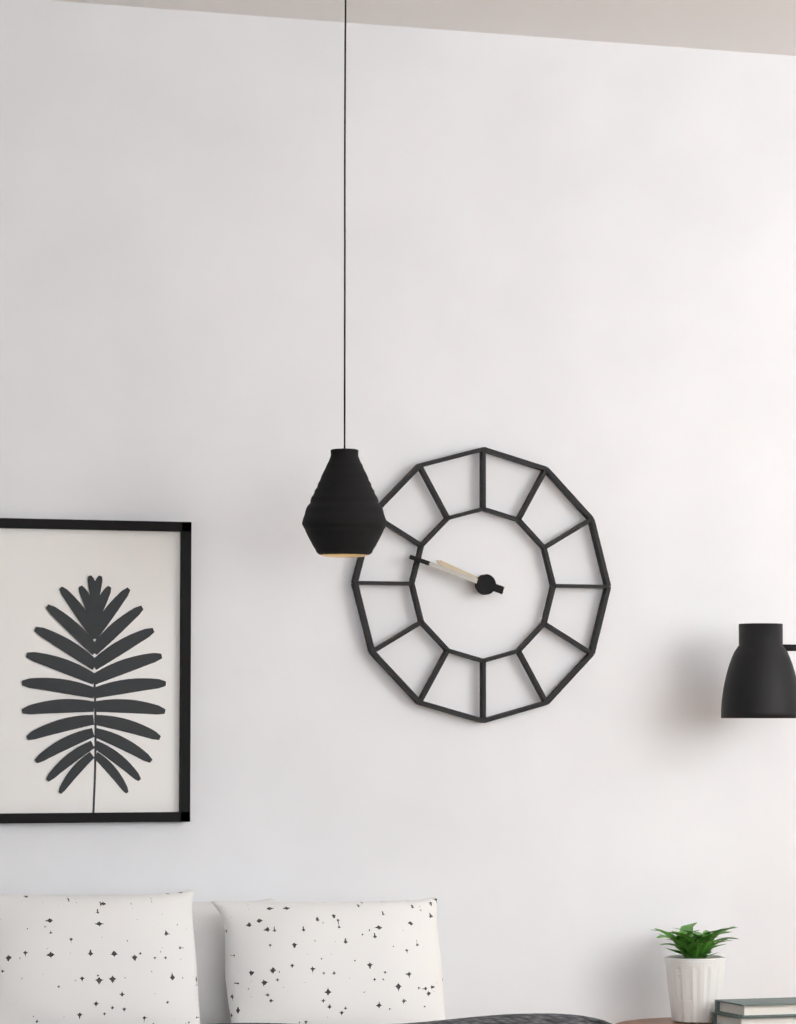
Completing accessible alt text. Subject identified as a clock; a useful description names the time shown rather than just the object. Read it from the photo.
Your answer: 9:48
